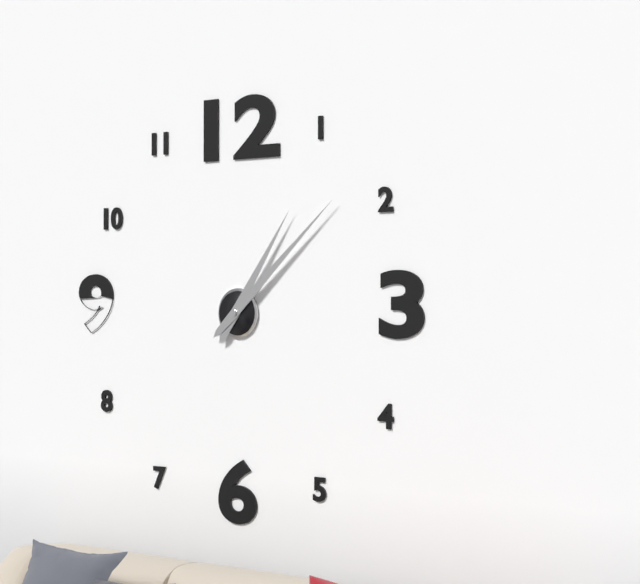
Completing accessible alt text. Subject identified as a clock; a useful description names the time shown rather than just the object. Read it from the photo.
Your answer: 1:08
